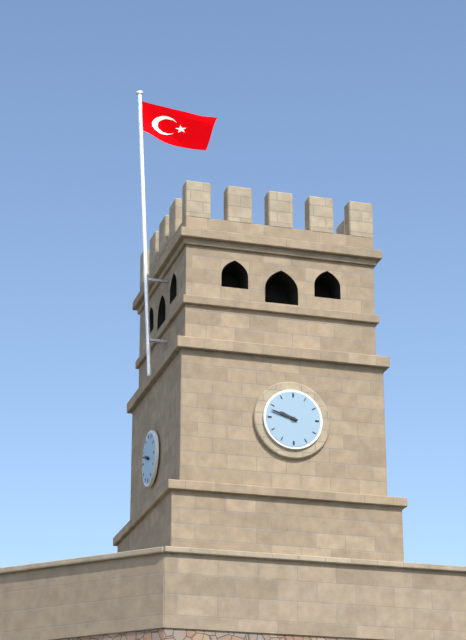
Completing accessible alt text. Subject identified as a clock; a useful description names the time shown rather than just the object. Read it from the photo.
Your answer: 9:48
